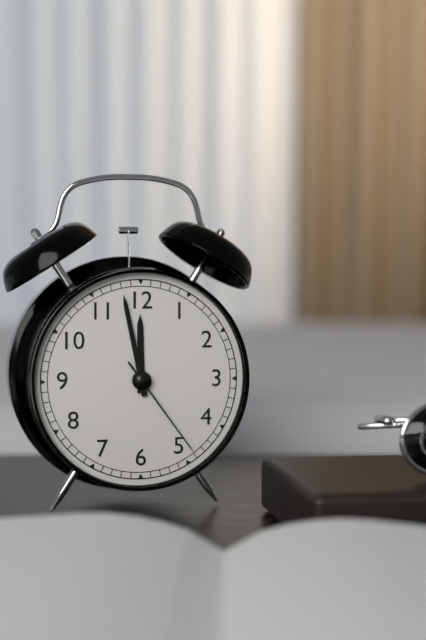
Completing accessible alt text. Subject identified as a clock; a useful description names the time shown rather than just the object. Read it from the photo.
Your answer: 11:58:24
